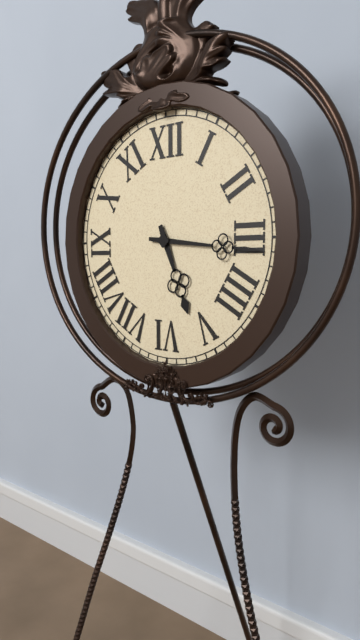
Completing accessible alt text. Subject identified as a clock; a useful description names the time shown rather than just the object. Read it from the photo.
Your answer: 5:16
